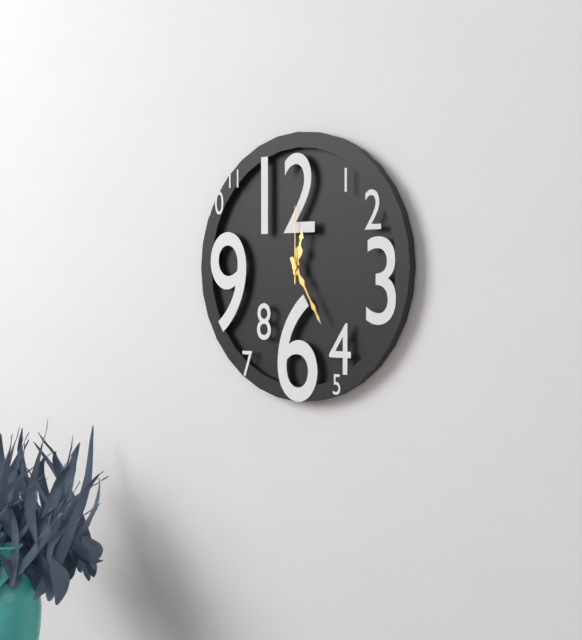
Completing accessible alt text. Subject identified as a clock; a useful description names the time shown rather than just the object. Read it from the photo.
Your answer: 12:25:00
